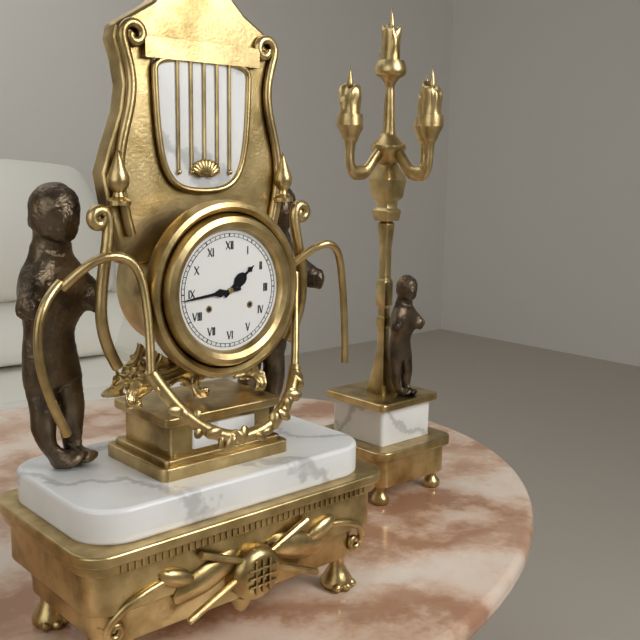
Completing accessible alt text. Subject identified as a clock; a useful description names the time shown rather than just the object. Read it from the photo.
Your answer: 1:44
